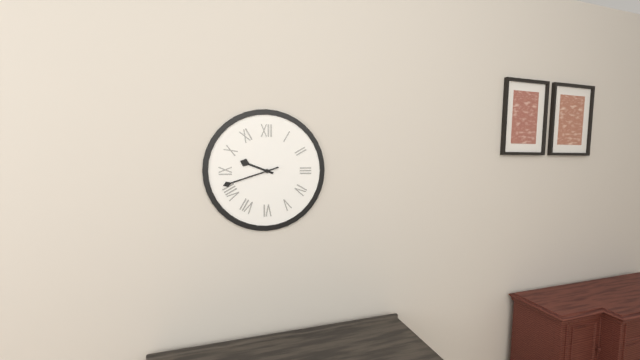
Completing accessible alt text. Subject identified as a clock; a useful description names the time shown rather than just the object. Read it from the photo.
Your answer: 9:42
